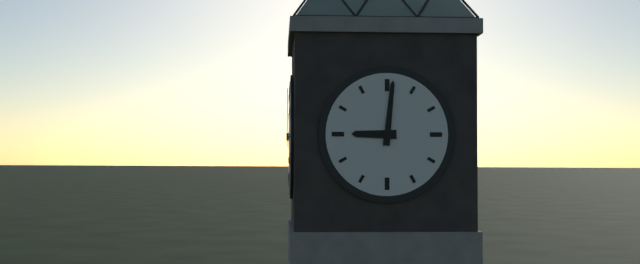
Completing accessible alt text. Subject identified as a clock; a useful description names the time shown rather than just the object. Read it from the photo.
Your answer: 9:01
